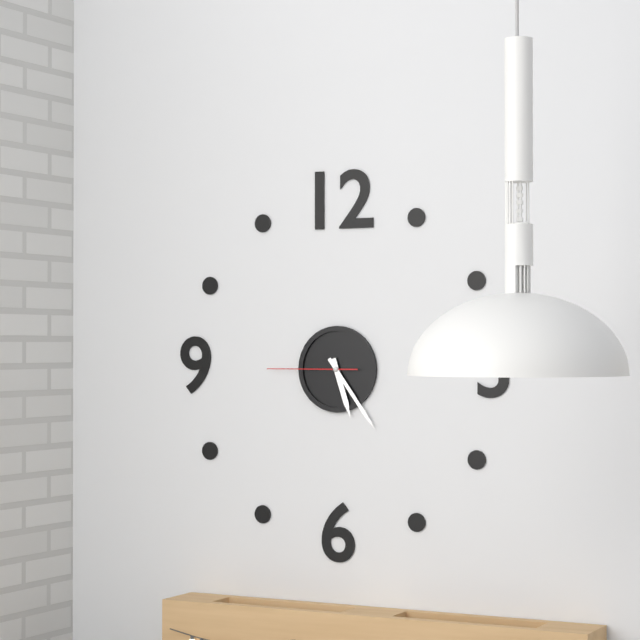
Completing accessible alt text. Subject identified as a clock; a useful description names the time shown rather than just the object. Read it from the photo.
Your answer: 5:24:45
